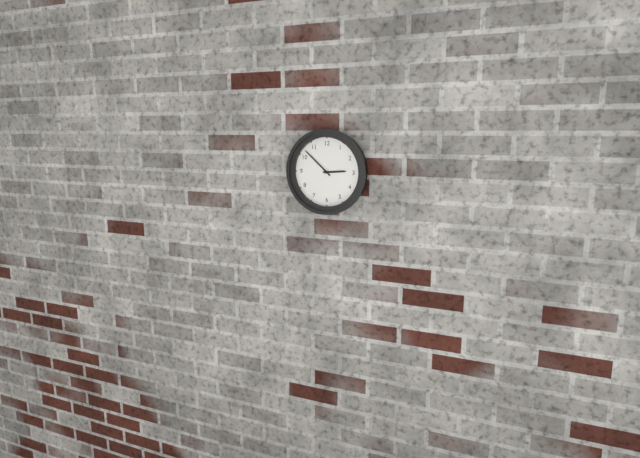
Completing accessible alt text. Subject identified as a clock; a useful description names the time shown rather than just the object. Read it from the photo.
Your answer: 2:52
